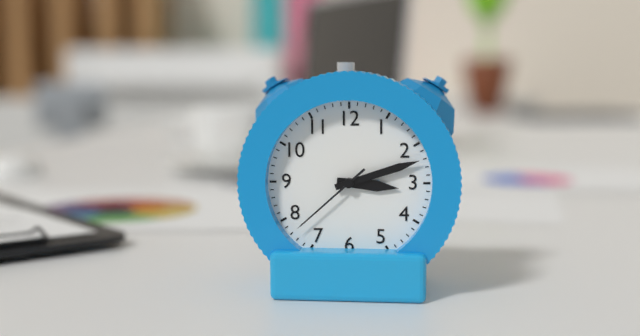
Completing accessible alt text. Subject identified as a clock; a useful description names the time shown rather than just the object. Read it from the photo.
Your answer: 3:12:38
